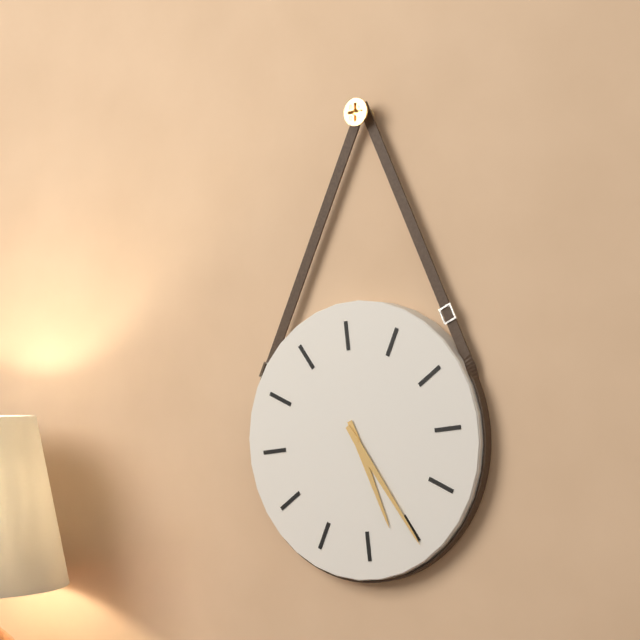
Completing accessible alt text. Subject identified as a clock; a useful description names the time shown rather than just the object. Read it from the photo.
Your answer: 5:25
